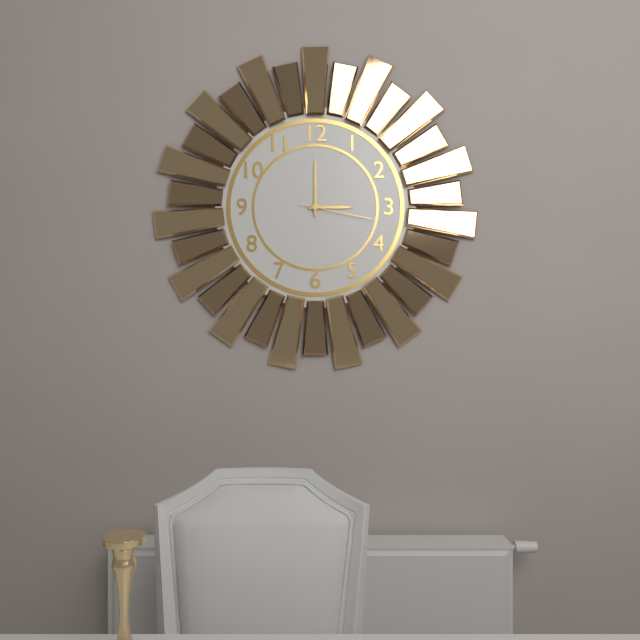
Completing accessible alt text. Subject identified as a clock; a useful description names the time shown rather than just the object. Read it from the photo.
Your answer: 3:00:17
